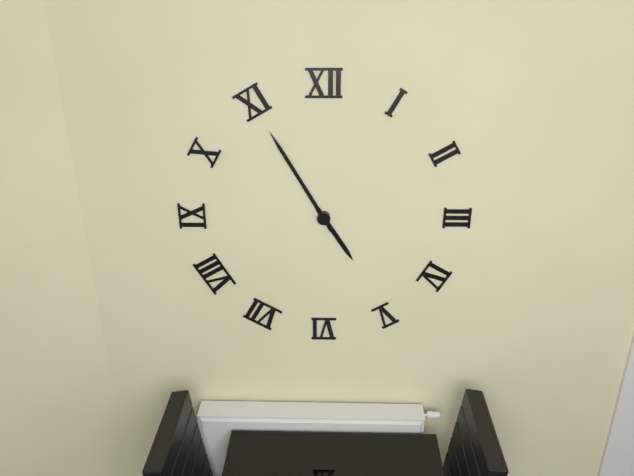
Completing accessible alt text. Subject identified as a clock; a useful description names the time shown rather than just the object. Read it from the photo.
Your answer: 4:55
